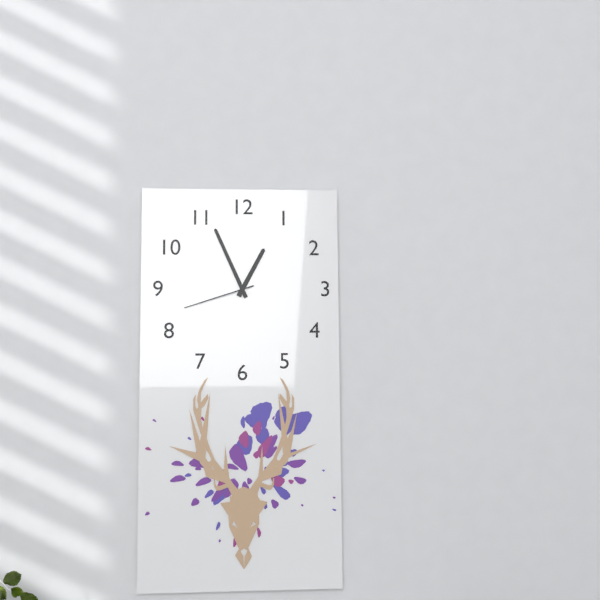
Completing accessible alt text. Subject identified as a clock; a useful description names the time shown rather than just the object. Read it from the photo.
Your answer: 12:56:42
